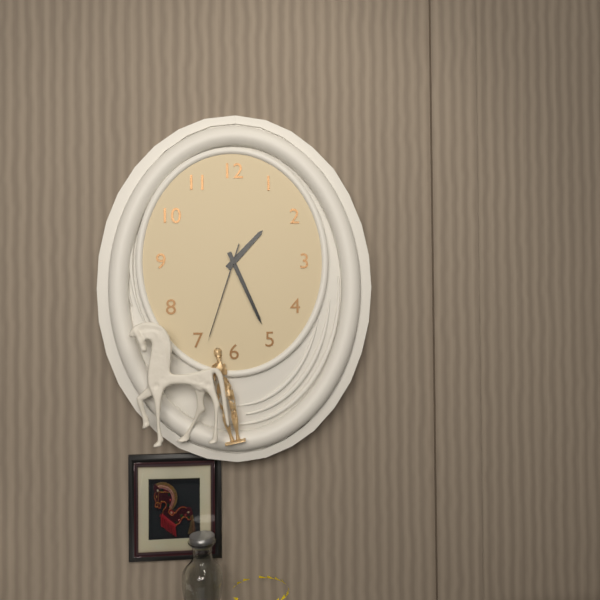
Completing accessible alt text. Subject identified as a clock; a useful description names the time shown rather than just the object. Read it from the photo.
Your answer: 1:26:33
